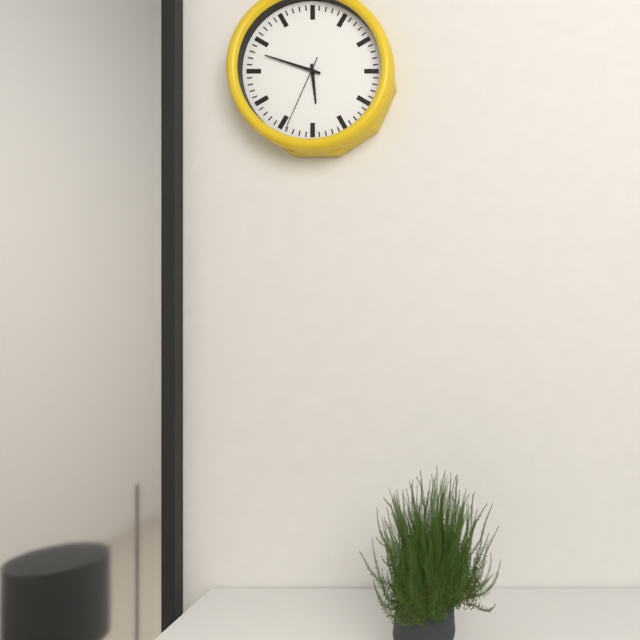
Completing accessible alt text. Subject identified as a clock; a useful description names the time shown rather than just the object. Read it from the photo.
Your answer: 5:48:34
